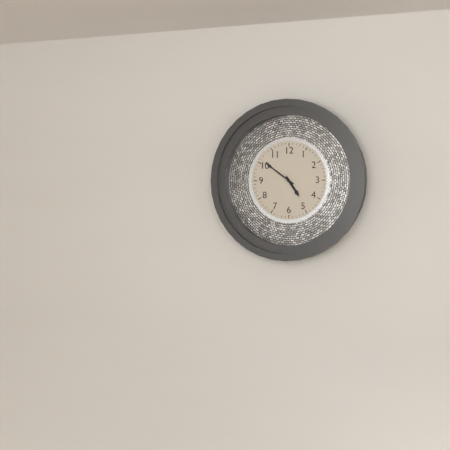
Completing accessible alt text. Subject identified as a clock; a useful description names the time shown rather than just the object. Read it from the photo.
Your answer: 4:51
